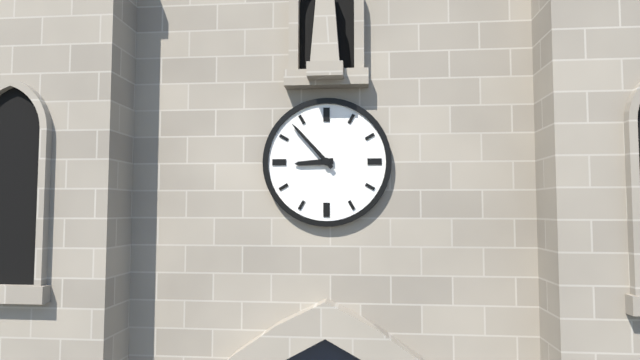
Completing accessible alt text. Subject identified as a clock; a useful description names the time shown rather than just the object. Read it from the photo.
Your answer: 8:53
